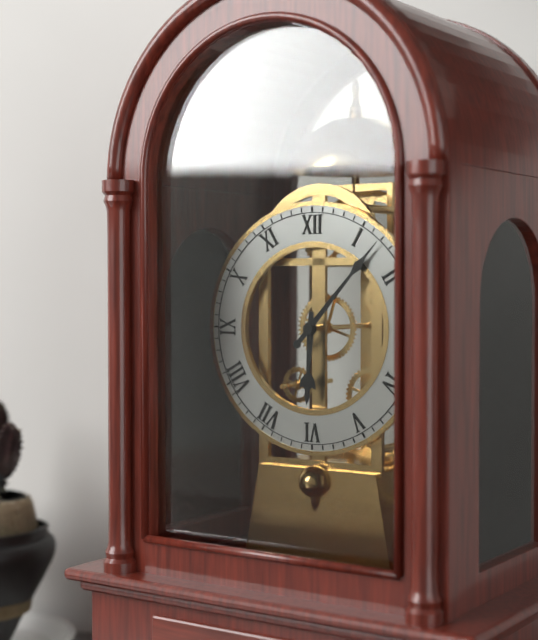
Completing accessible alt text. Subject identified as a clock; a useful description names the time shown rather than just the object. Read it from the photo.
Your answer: 6:07
